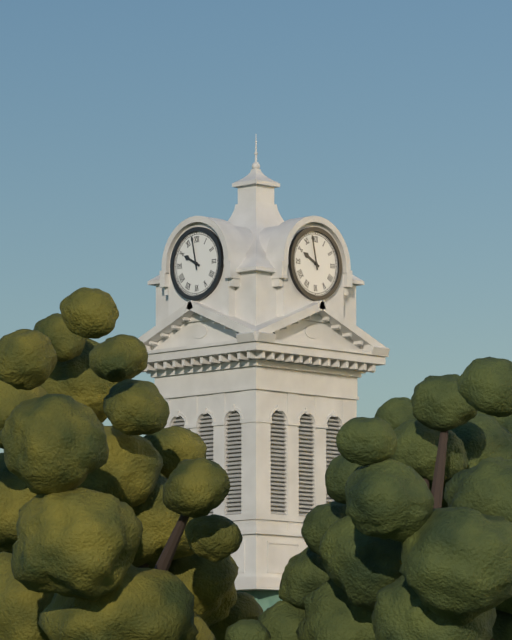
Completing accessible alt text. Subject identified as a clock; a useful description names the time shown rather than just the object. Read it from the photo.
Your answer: 9:58
